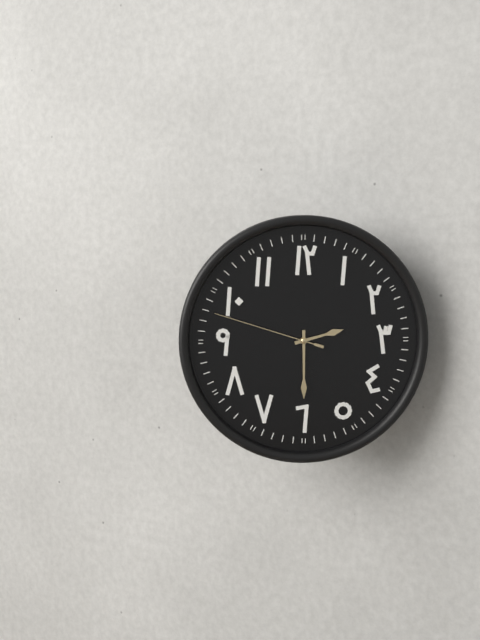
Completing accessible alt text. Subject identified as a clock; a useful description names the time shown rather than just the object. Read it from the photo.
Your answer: 2:30:48
